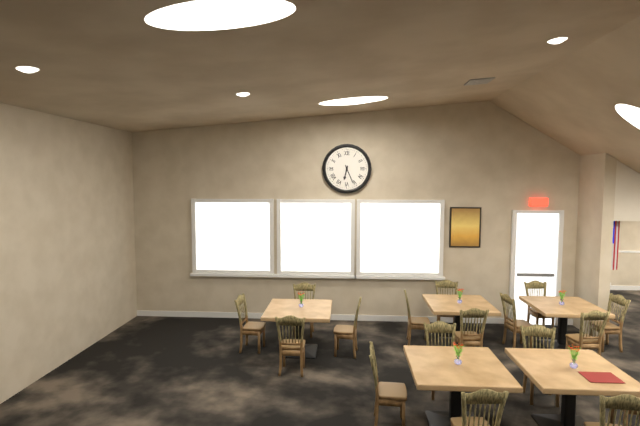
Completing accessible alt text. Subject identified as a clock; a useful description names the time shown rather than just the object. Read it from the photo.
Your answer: 6:26
